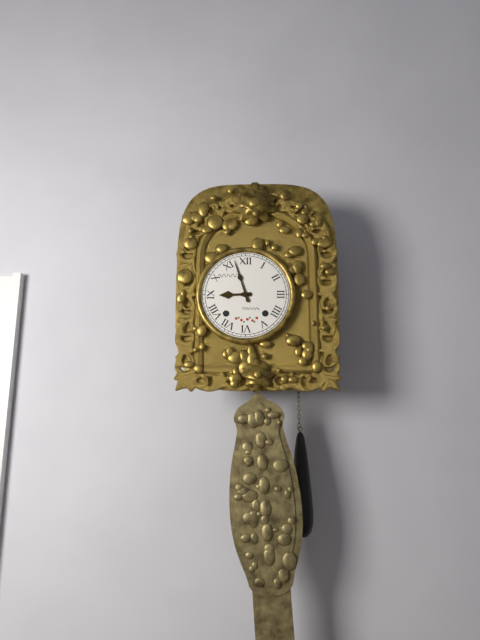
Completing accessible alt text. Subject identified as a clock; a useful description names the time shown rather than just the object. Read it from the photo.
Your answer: 8:57
